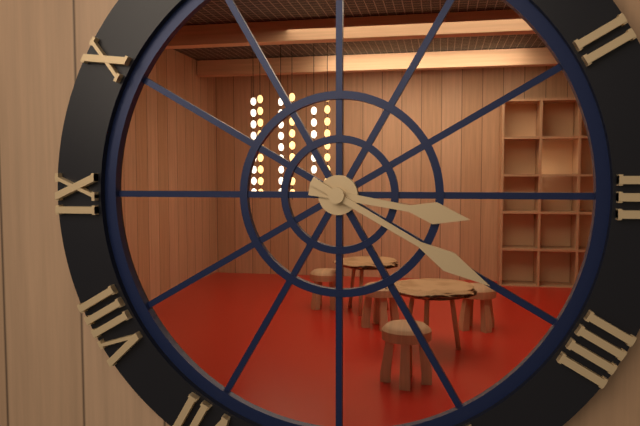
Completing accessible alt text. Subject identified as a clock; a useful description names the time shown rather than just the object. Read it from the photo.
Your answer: 3:20
